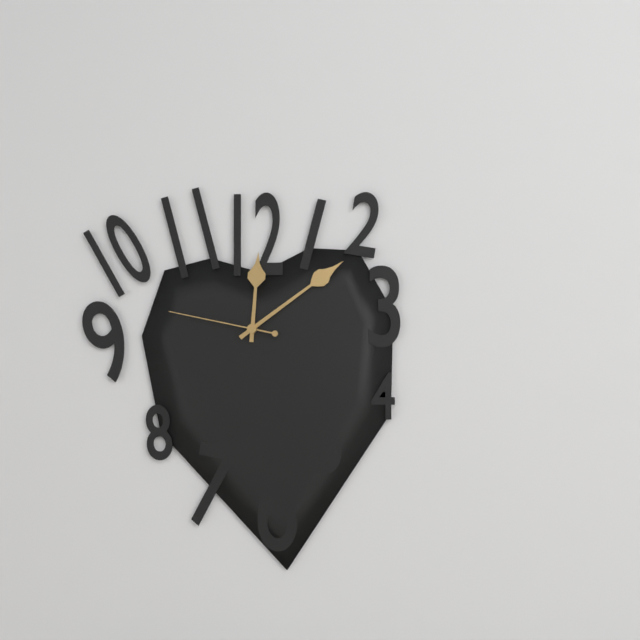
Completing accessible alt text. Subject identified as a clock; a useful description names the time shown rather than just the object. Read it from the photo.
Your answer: 12:09:47
